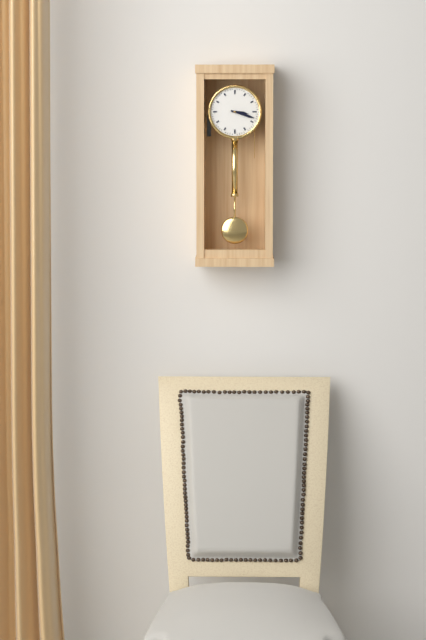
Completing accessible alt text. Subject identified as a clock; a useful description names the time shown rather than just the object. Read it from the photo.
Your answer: 3:18
